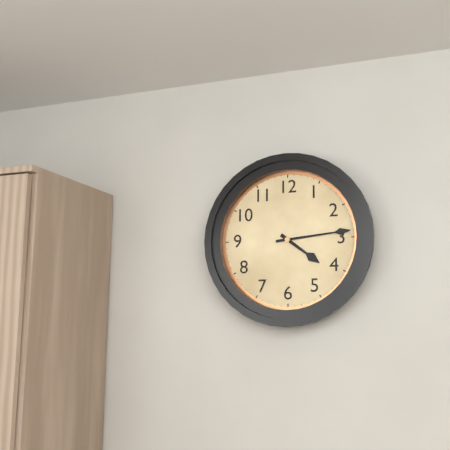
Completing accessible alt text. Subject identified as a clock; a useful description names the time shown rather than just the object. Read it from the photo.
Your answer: 4:14
